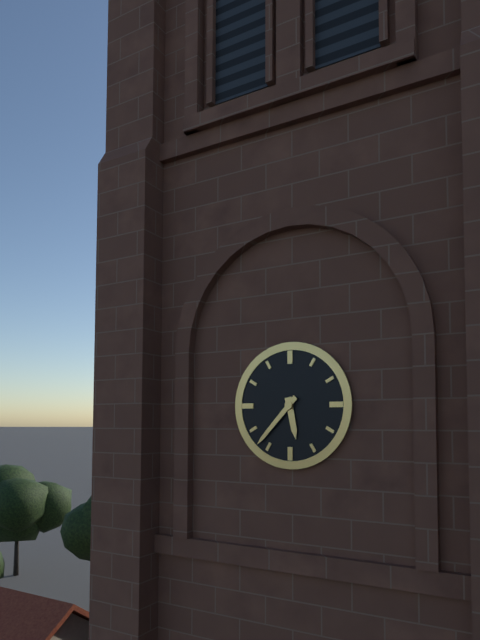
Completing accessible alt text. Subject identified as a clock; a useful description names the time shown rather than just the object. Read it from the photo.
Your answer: 5:37
